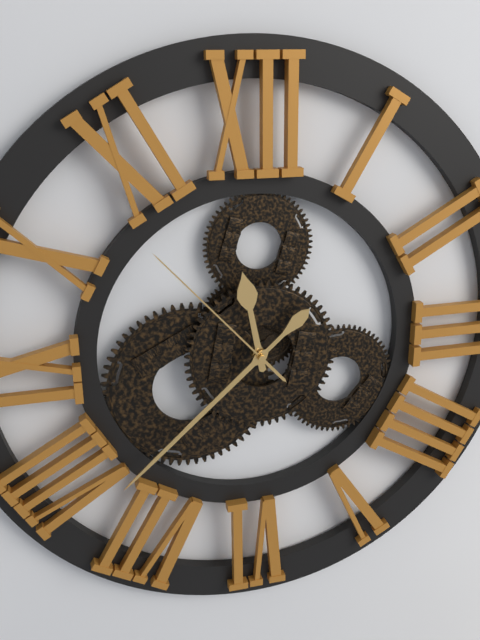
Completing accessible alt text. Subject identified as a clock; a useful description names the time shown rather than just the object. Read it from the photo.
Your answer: 11:38:53
